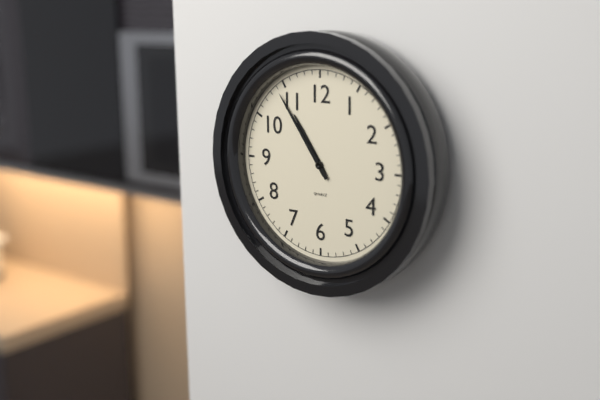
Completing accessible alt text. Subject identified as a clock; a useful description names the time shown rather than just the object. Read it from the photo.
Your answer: 10:54
